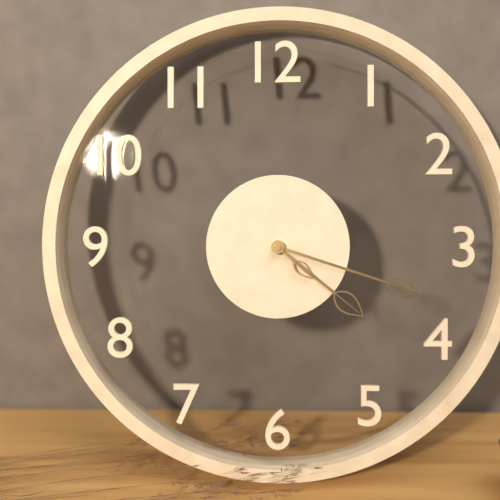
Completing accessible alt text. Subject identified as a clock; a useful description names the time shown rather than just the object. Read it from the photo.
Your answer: 4:18:22
